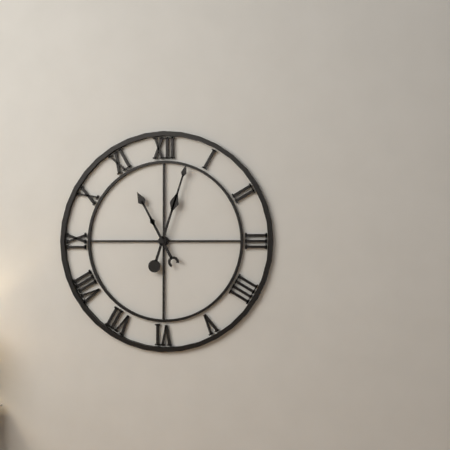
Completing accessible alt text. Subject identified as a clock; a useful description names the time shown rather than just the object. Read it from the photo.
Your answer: 11:03
